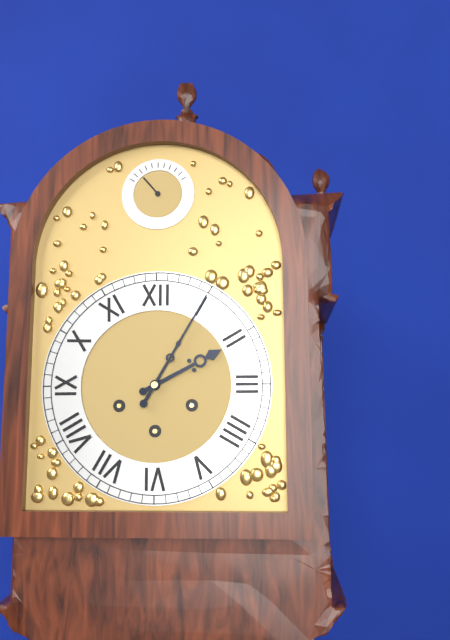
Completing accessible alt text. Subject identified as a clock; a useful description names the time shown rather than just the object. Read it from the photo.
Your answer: 2:05
